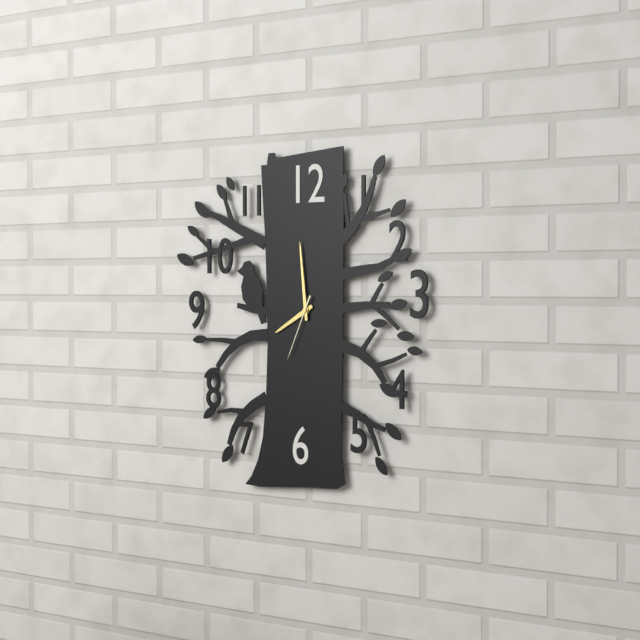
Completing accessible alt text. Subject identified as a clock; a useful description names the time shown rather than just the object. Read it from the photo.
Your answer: 7:59:34
